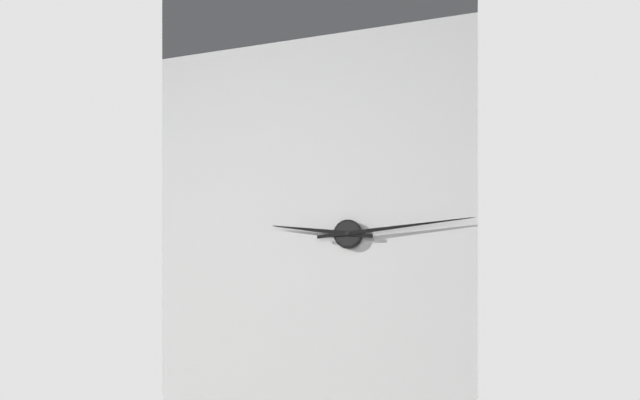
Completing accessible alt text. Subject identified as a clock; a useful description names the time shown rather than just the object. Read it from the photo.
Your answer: 9:14
